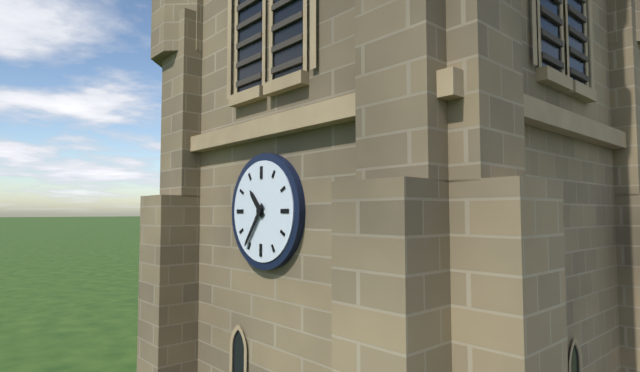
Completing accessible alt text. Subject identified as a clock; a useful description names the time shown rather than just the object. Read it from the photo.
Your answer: 10:36
